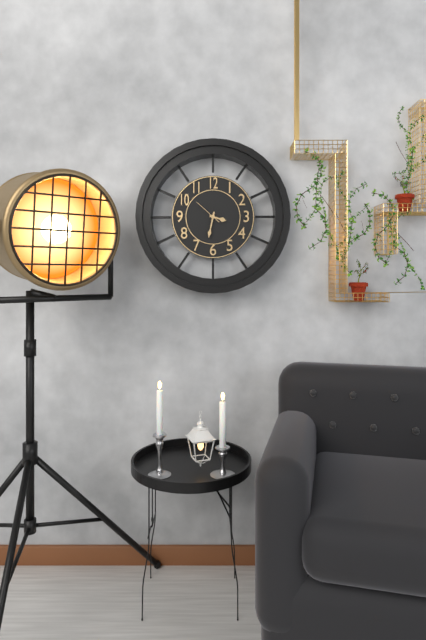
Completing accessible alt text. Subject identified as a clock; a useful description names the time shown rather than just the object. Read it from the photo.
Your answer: 3:32
